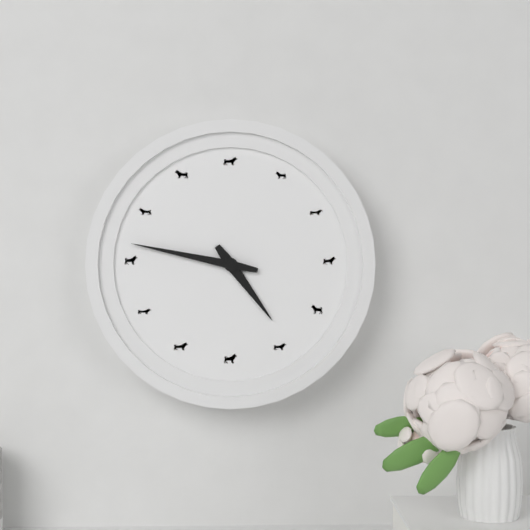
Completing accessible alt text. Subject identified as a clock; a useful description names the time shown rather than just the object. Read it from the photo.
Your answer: 4:47
